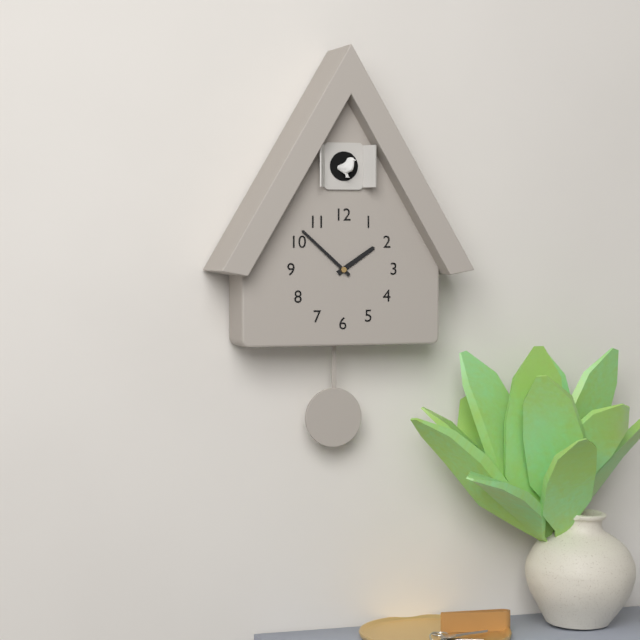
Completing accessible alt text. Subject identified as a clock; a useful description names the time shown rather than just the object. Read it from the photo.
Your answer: 1:52
